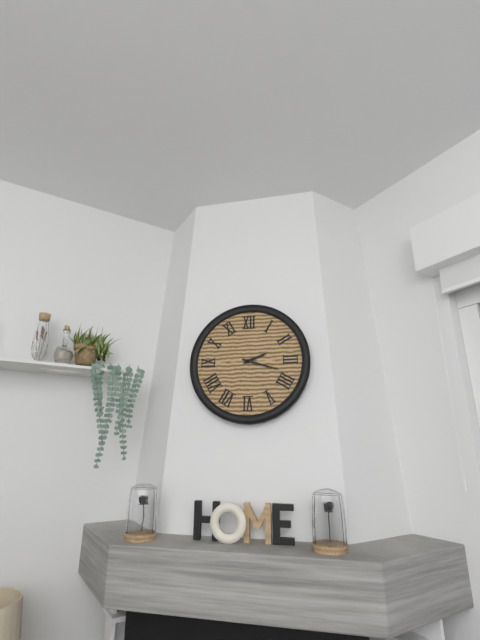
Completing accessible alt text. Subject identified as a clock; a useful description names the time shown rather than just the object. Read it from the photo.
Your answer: 2:18
